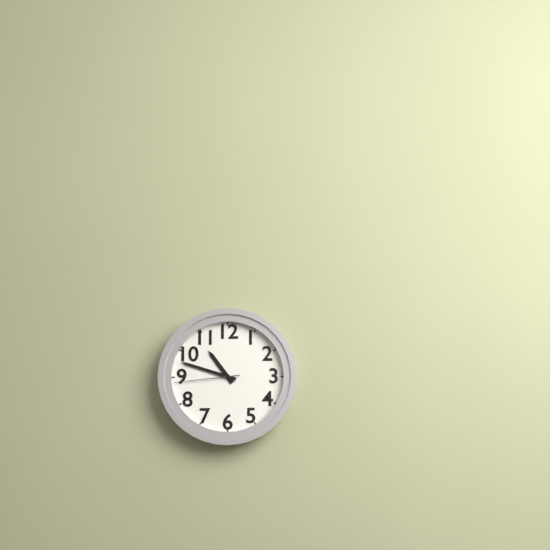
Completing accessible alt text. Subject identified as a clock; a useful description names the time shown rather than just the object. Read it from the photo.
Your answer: 10:48:44
